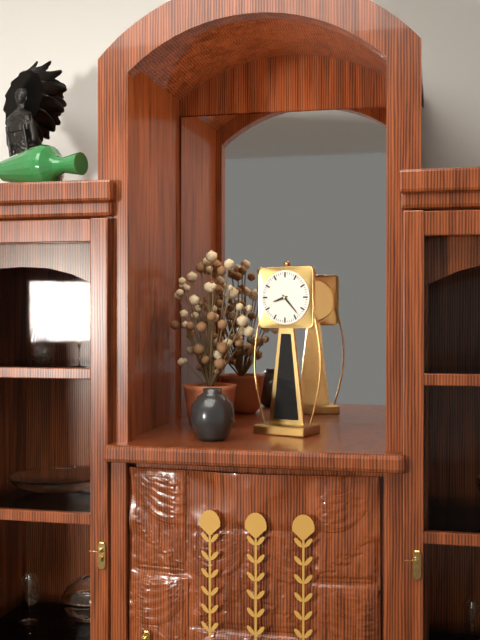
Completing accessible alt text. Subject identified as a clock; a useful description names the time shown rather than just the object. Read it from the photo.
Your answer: 8:23
